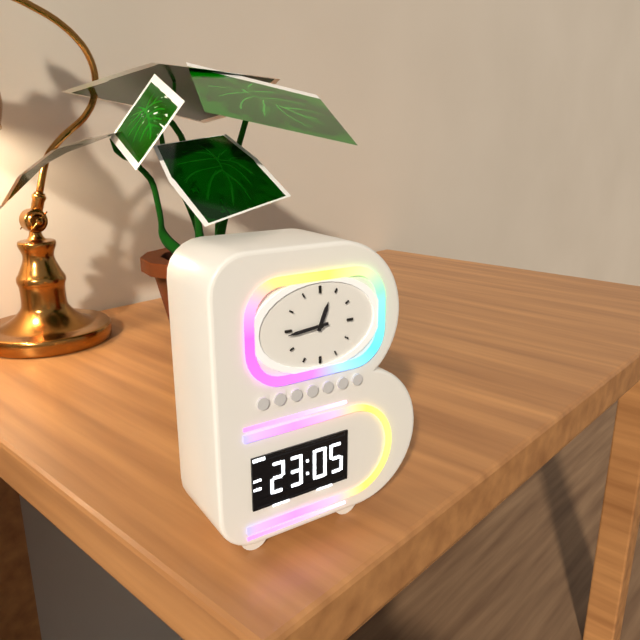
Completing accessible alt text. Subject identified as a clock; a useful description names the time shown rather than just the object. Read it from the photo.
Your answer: 12:44
